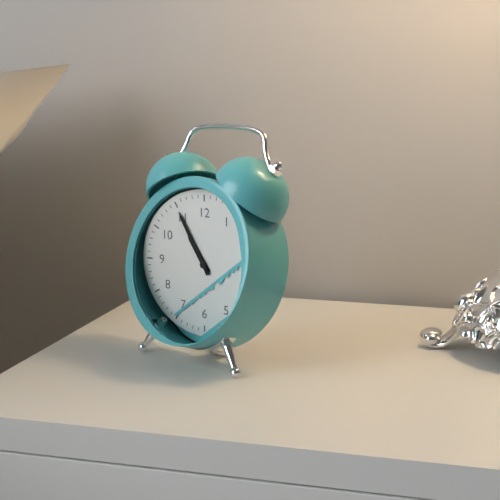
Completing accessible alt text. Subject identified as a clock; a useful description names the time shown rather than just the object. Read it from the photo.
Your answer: 10:55
